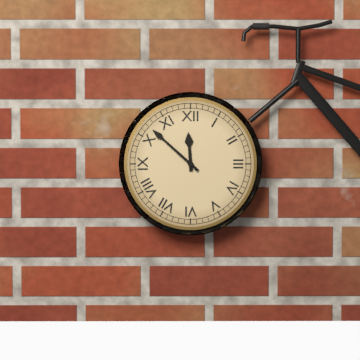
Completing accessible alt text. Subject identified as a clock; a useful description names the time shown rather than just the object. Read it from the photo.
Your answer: 11:52
